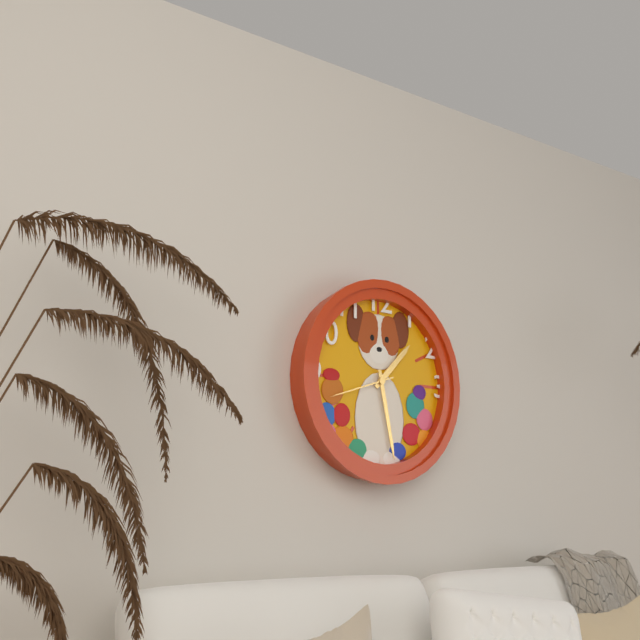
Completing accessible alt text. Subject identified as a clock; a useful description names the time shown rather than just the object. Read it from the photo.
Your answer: 1:28:42
